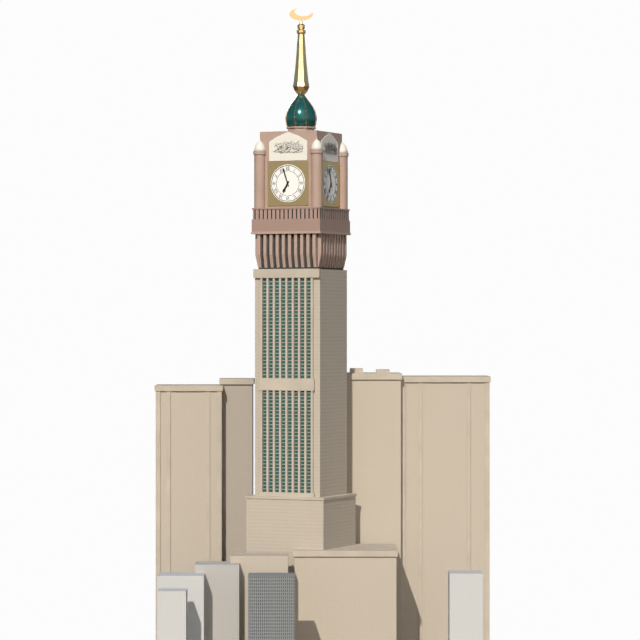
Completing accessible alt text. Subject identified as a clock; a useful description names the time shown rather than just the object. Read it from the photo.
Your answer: 6:57
